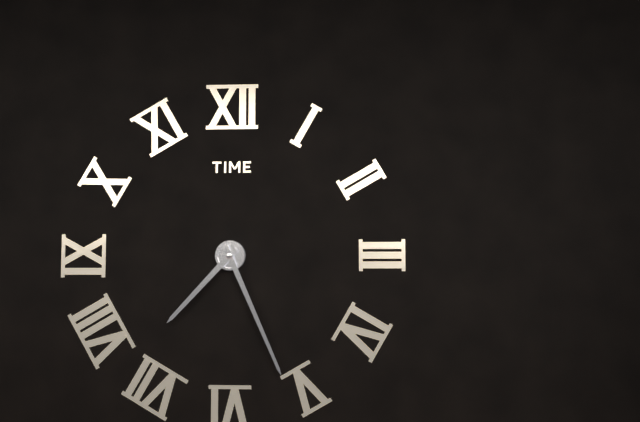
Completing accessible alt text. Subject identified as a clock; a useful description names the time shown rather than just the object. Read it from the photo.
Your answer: 7:26
